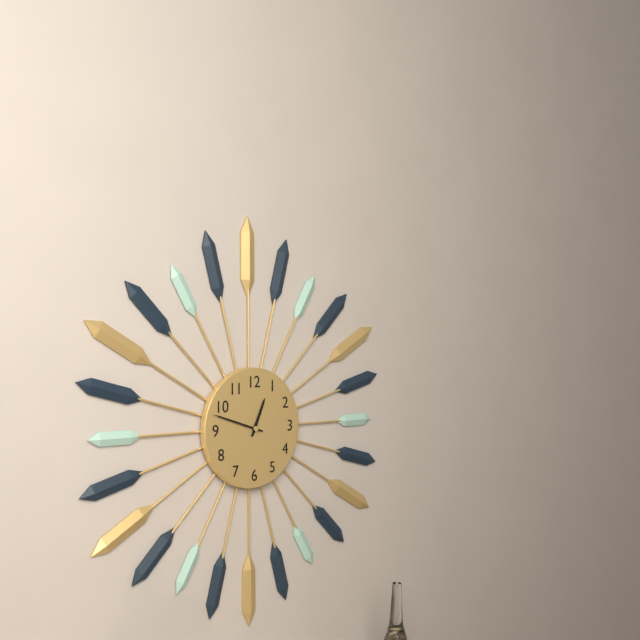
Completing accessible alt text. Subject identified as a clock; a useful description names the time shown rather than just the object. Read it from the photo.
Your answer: 12:48
